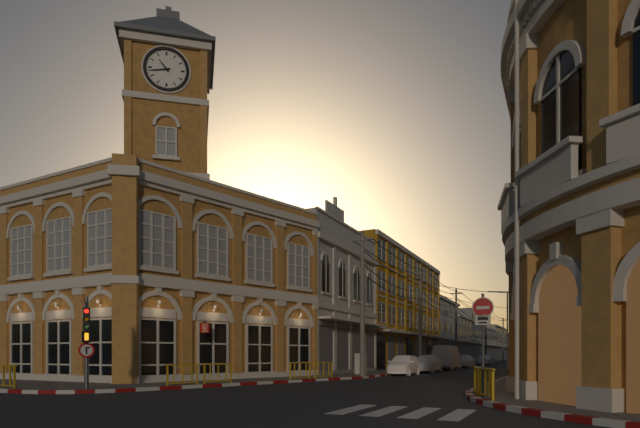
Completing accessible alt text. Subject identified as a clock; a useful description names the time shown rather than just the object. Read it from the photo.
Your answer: 10:43
